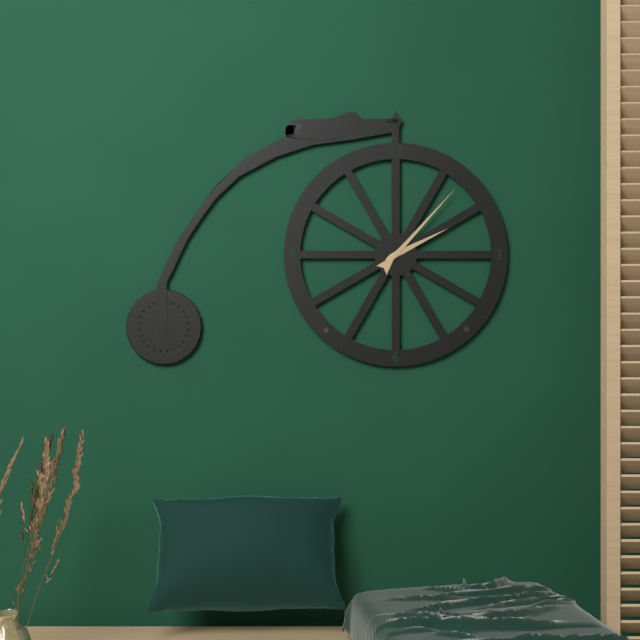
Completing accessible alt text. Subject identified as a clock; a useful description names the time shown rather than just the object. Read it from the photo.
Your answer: 2:07
